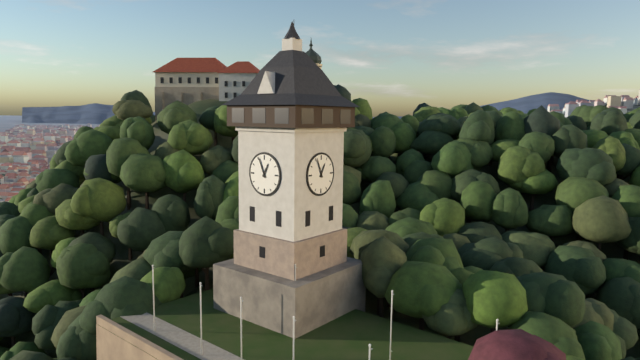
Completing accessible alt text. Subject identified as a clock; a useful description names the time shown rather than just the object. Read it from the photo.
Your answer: 12:56
